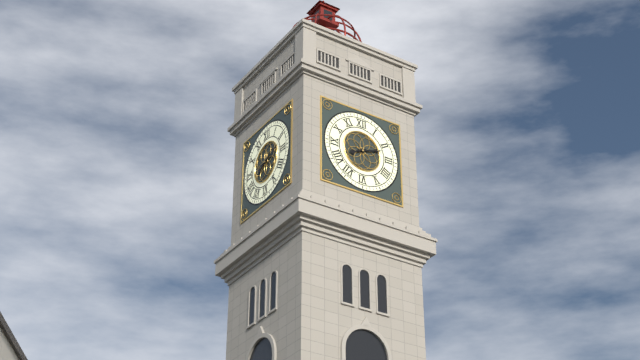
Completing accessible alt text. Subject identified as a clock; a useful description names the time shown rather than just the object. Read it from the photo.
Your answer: 8:12
